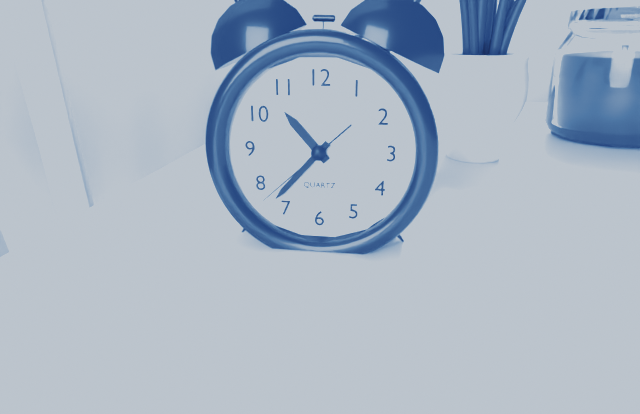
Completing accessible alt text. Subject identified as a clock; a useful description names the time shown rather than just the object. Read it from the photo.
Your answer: 10:37:38
